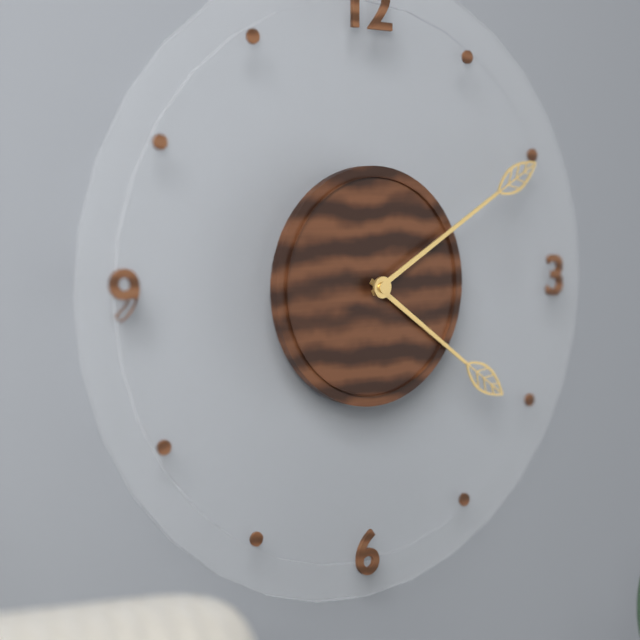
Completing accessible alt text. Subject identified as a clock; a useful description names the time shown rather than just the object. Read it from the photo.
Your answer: 4:10
